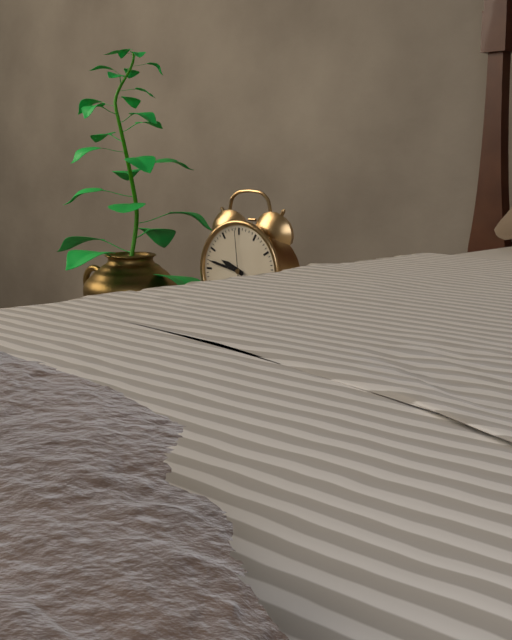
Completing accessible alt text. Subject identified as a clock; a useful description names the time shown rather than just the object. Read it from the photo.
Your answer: 9:47:59
